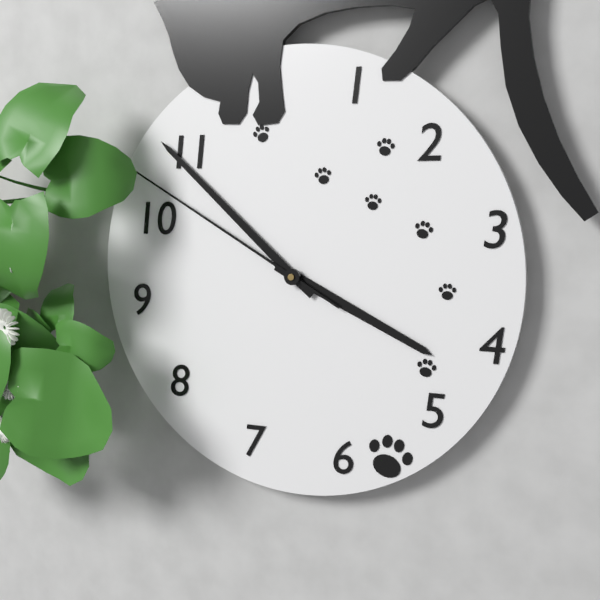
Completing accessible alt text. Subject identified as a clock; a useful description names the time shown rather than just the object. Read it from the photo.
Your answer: 3:52:50
